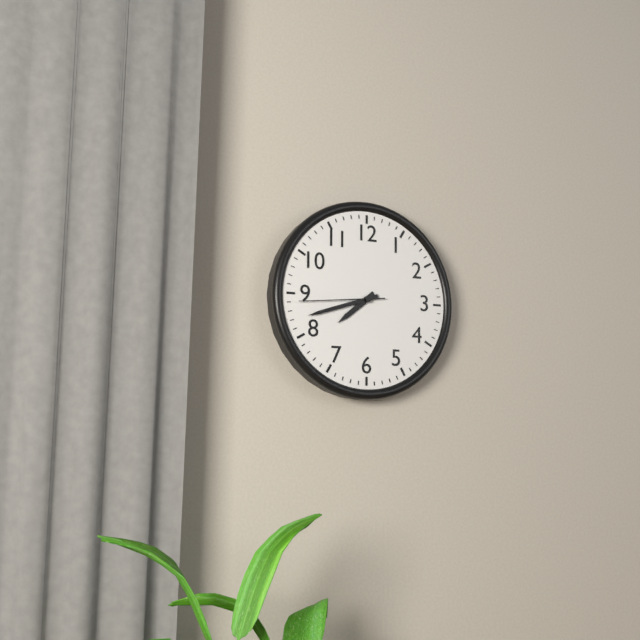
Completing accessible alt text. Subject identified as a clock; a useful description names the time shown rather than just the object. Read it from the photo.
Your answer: 7:42:44
